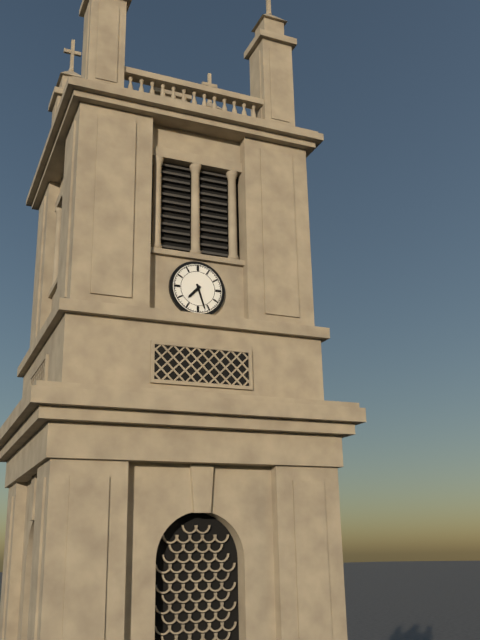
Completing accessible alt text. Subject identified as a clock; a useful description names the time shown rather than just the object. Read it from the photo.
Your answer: 7:27
